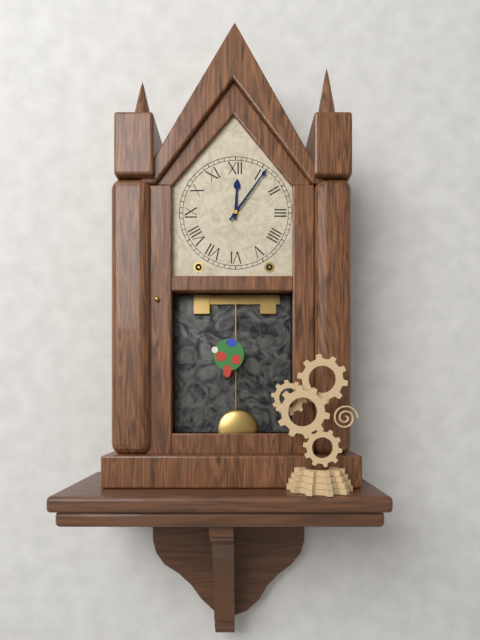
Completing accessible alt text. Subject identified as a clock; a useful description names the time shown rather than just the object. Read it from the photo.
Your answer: 12:06
